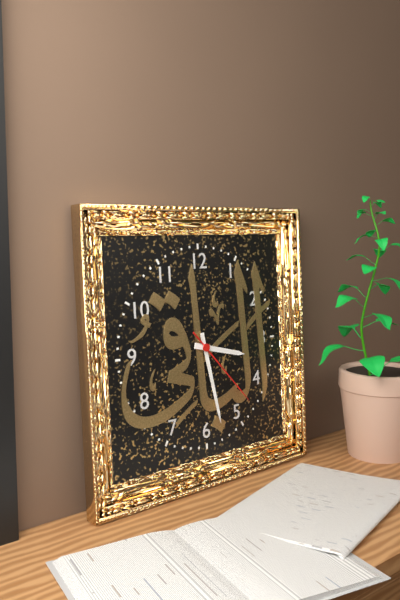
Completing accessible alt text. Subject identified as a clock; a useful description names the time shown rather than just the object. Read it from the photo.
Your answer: 3:28:23
